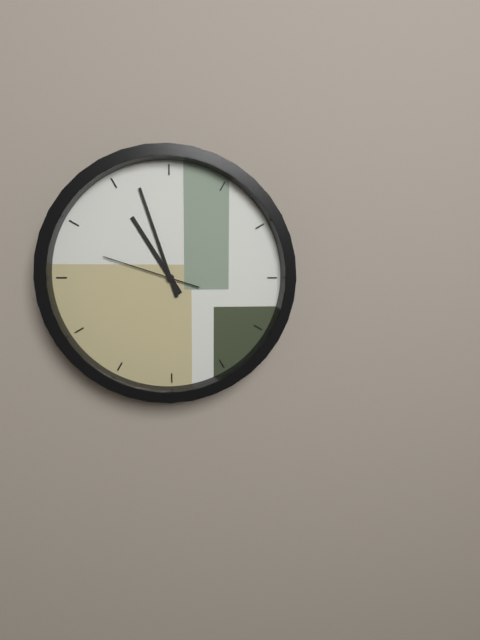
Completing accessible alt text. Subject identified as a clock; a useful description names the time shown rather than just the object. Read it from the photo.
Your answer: 10:57:48
